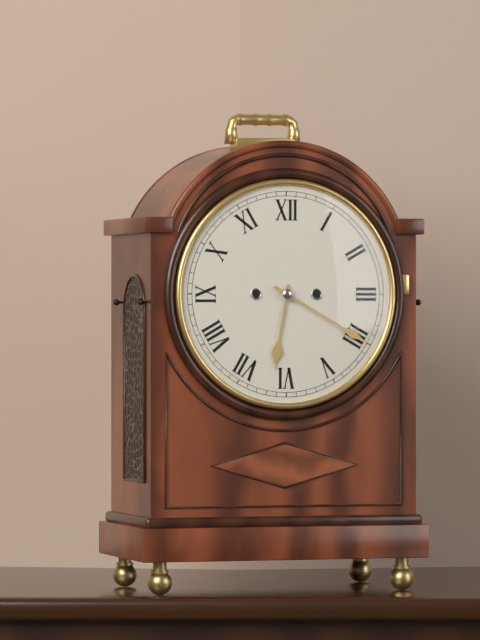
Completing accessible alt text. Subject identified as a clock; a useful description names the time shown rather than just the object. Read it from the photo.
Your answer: 6:20
